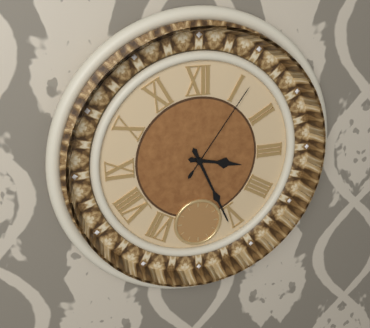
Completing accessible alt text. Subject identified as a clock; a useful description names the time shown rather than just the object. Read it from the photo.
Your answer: 3:26:06
